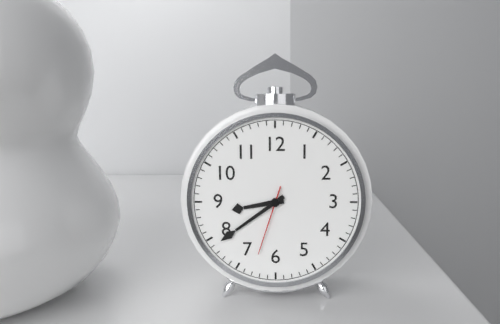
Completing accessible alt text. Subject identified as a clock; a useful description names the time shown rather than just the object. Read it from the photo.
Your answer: 8:39:33
